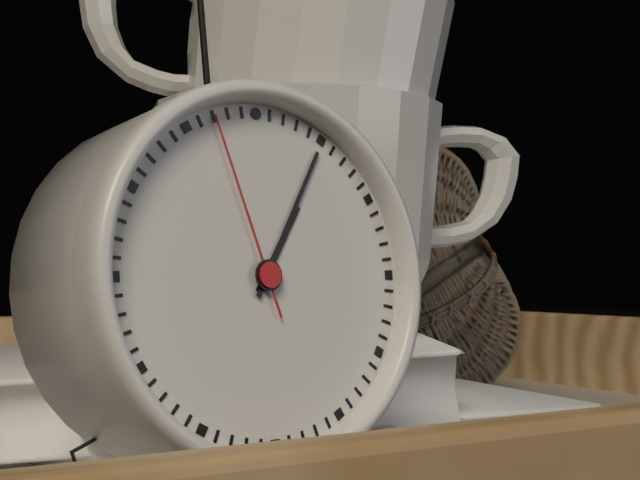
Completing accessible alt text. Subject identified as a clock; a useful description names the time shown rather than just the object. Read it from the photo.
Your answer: 1:05:57
